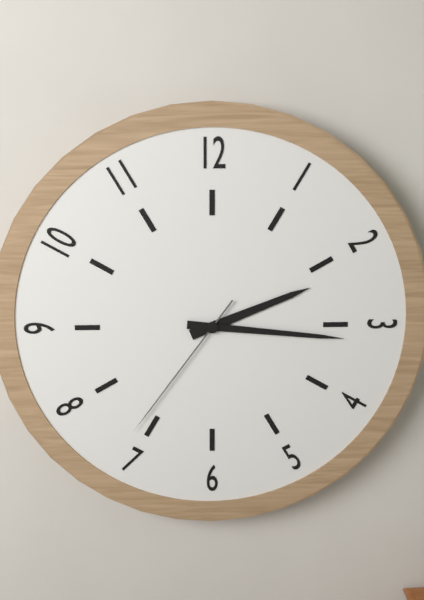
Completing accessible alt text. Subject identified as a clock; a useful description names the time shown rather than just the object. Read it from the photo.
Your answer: 2:16:36
